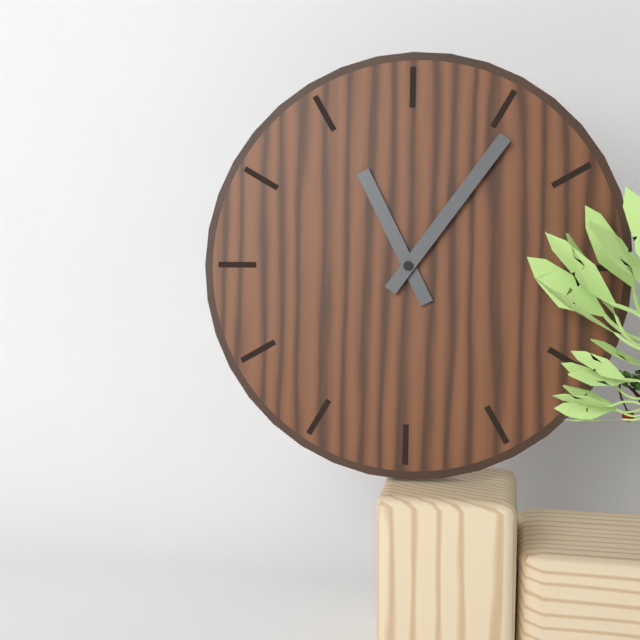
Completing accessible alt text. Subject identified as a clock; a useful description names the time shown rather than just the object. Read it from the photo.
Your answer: 11:06
